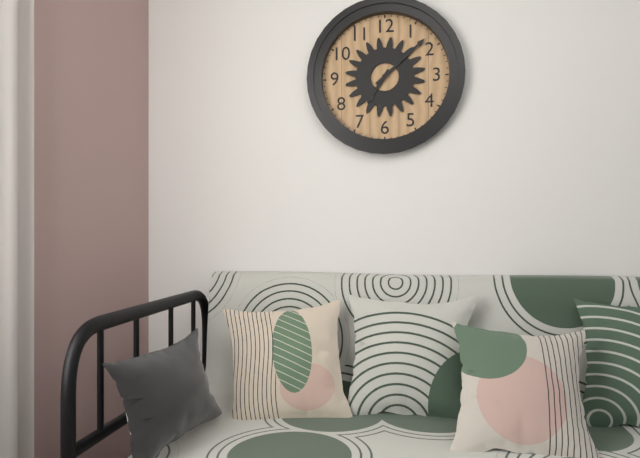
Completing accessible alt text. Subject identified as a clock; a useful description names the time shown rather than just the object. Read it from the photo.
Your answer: 7:08
